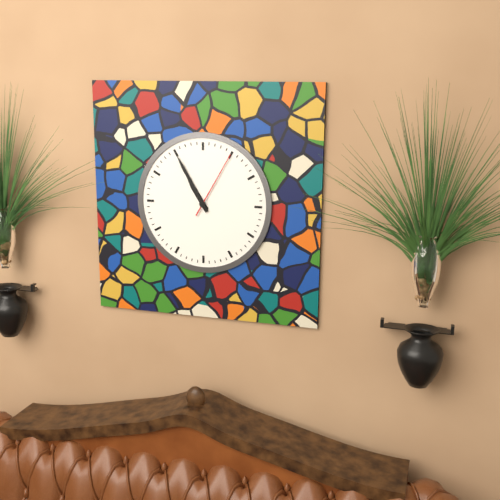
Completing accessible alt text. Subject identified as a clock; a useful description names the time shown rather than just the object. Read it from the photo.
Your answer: 10:55:05
